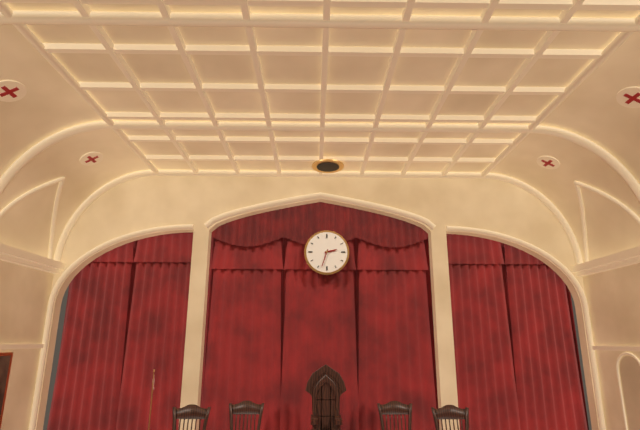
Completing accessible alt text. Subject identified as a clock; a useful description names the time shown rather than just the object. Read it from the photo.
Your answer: 2:33
